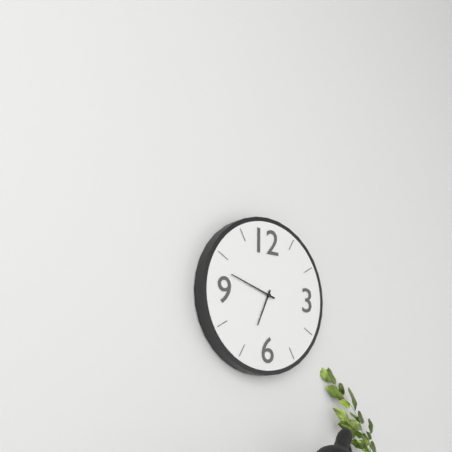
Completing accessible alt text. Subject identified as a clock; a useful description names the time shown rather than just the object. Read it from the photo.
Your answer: 6:48
